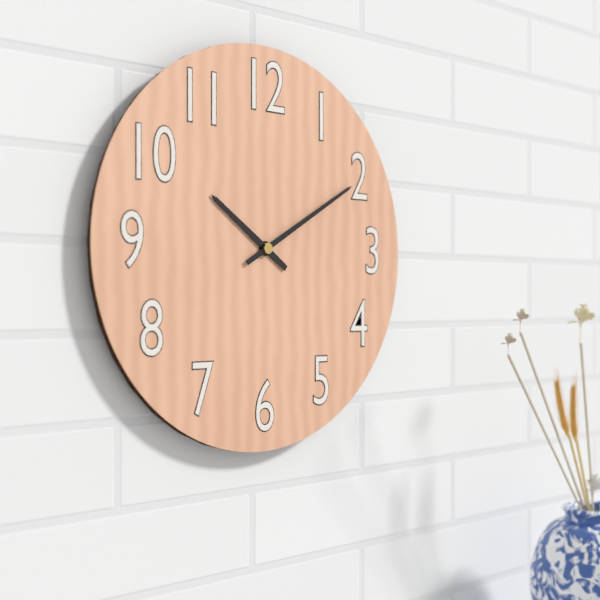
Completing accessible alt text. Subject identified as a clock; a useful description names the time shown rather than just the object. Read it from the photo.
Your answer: 10:10
